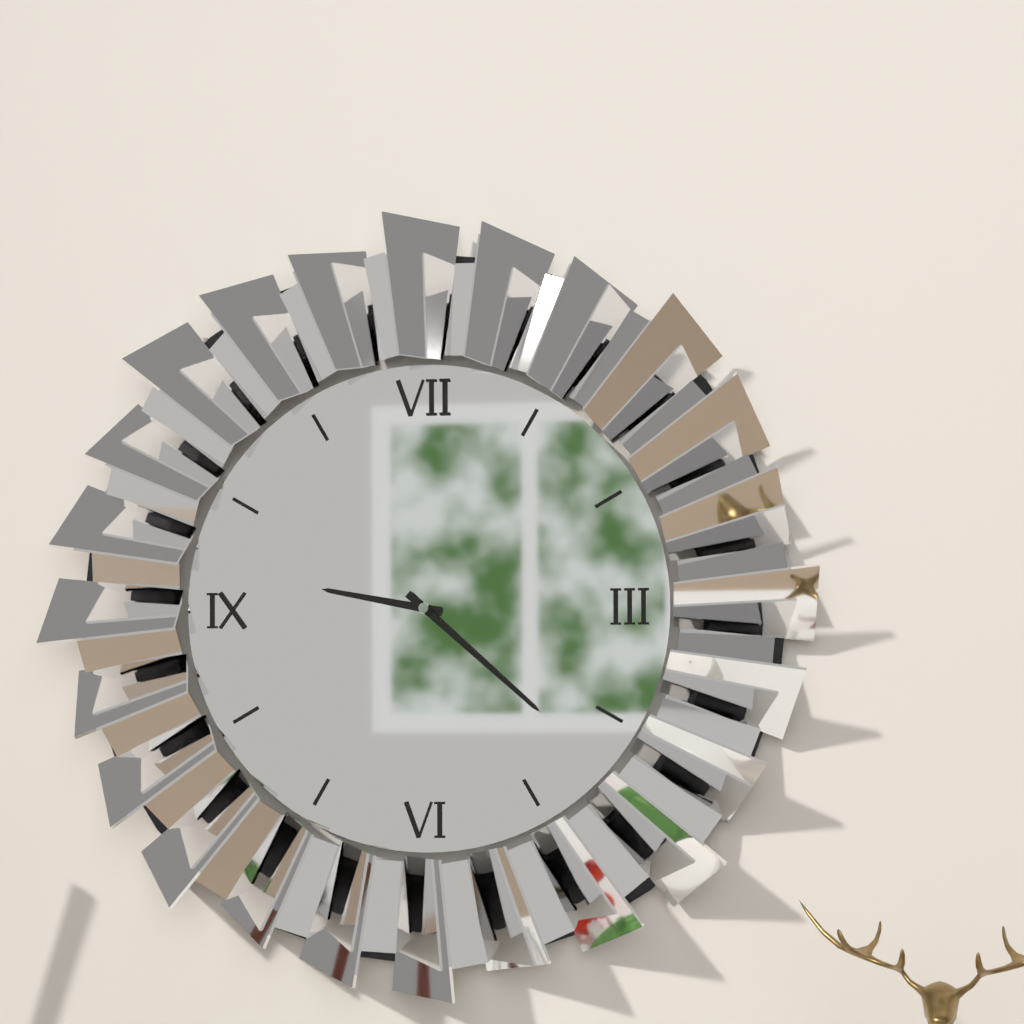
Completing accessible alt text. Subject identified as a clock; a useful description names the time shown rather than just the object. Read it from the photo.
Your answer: 9:22
